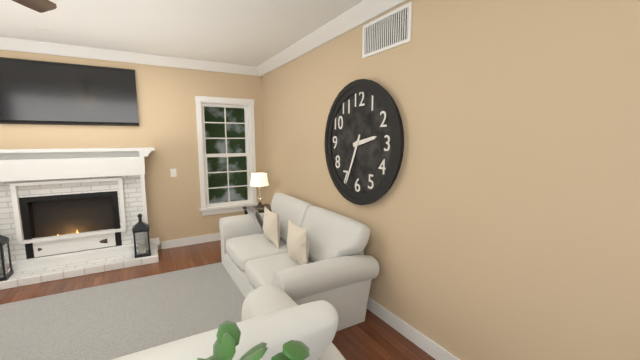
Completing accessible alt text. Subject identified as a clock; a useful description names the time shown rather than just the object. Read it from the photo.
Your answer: 2:34
